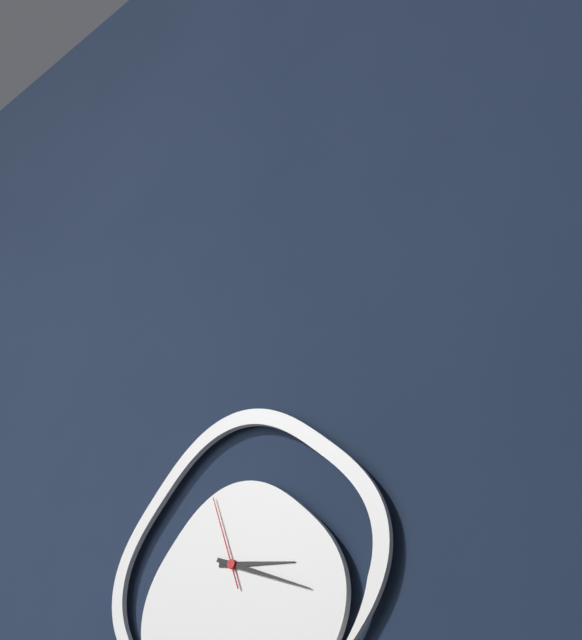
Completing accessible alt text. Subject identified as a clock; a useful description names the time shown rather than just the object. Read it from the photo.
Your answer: 3:19:57
